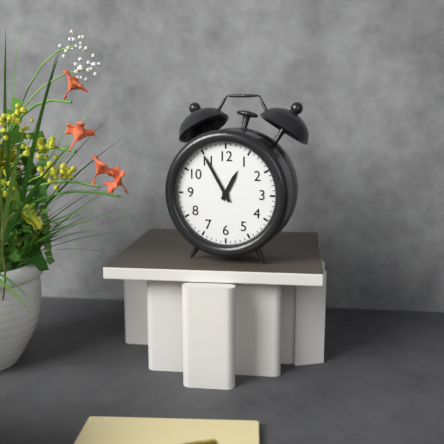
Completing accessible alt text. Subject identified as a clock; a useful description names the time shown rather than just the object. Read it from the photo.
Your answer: 12:55
